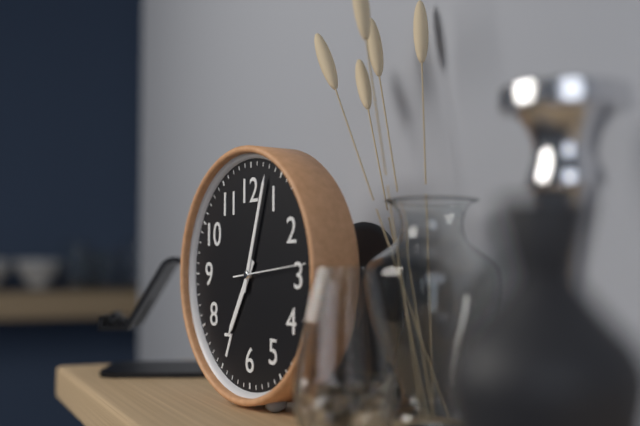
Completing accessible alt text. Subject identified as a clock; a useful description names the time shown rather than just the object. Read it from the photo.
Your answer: 7:03:14
